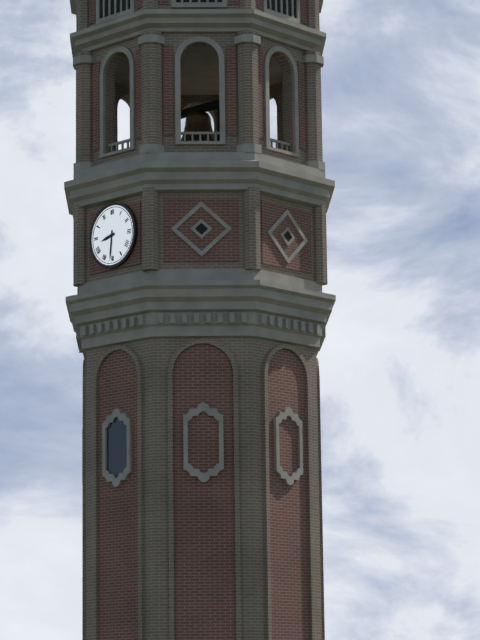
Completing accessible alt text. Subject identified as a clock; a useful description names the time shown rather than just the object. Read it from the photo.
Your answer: 8:31
